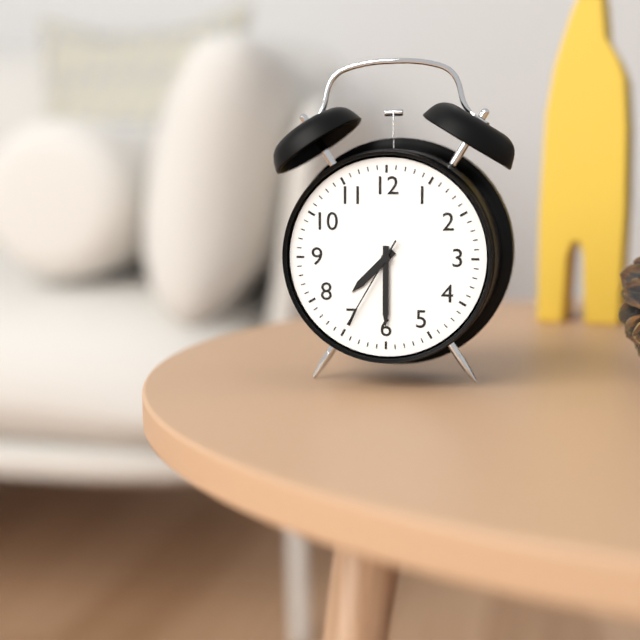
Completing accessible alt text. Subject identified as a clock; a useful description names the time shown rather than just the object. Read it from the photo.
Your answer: 7:30:35
